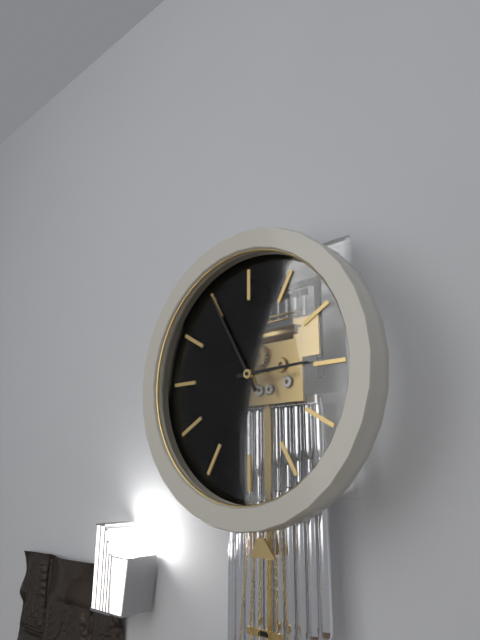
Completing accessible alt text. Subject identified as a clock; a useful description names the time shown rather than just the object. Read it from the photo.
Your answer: 2:55
